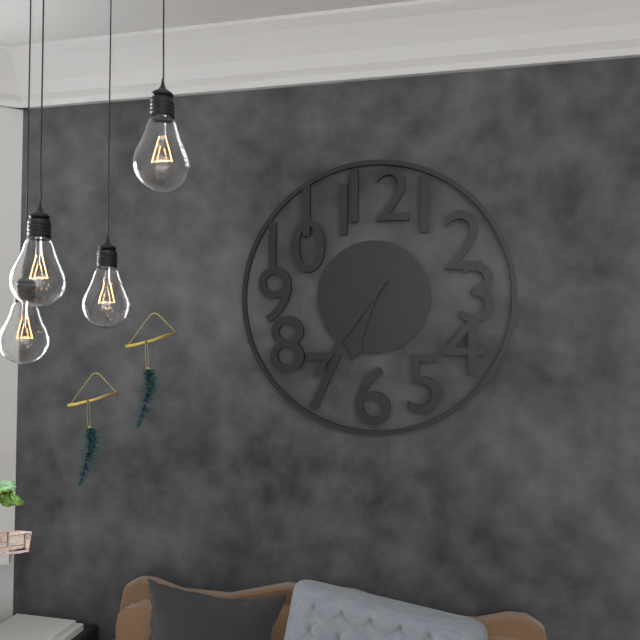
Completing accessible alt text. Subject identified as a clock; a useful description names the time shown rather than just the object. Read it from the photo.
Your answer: 6:36
